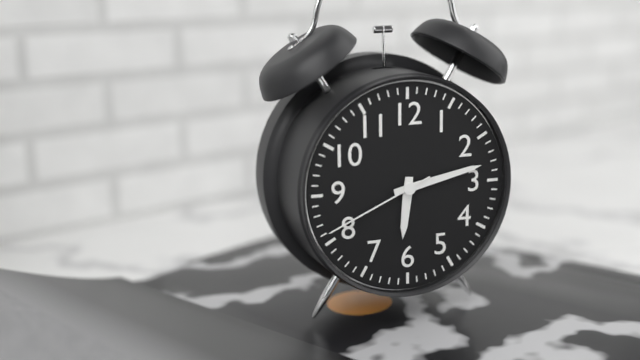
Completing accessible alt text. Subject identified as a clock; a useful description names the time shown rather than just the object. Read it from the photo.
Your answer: 6:13:41
